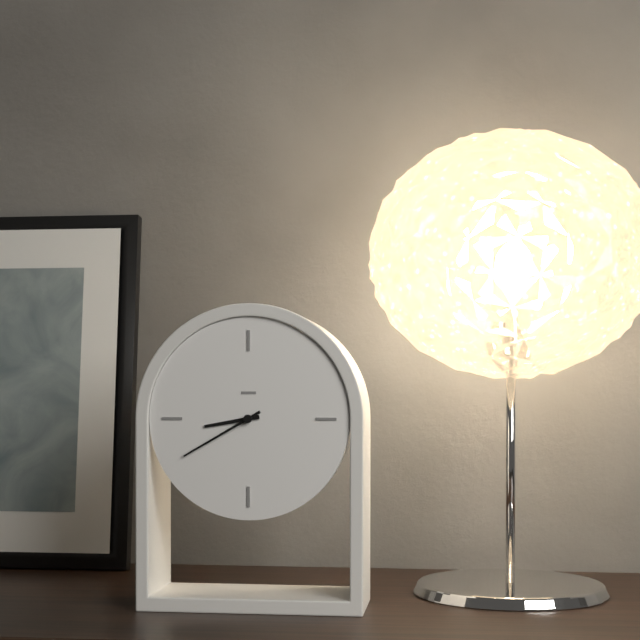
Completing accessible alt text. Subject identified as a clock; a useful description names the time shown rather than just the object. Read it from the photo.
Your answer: 8:40
